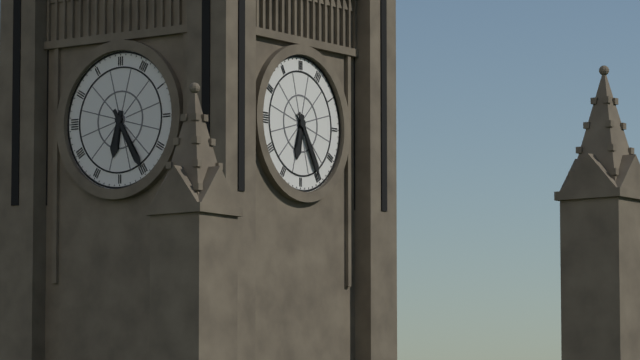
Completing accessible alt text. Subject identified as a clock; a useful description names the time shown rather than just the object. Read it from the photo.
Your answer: 6:25
